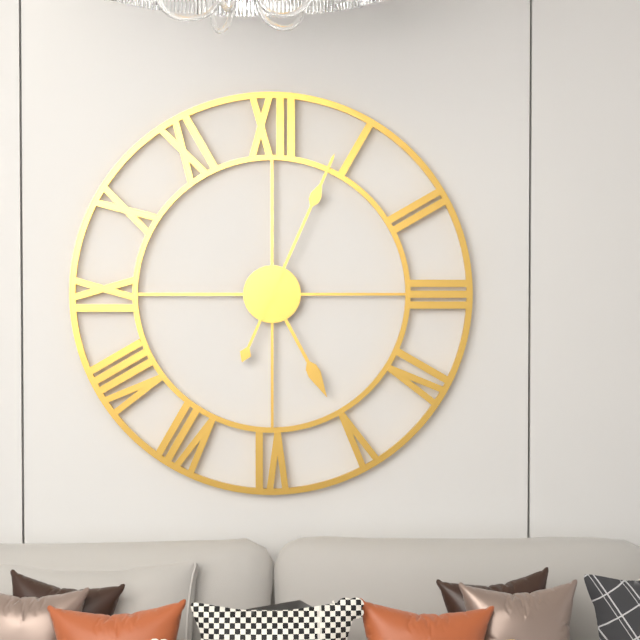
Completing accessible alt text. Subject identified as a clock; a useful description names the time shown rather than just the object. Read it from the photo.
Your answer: 5:04
